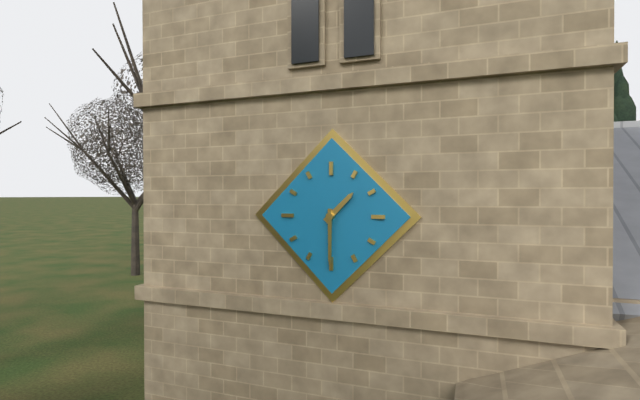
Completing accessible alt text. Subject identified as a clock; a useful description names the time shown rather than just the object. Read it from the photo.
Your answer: 1:30
